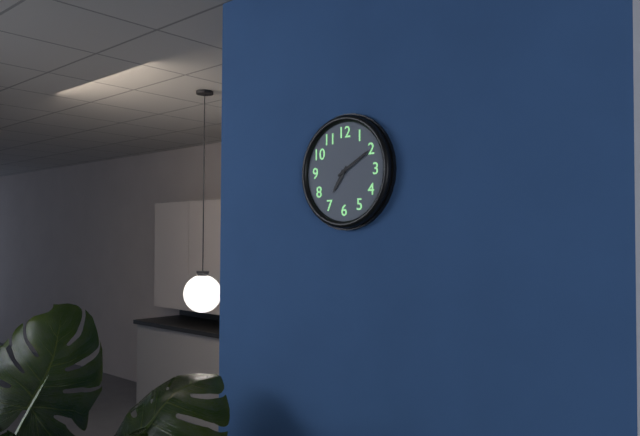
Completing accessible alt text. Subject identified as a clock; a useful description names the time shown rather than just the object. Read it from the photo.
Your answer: 7:10
